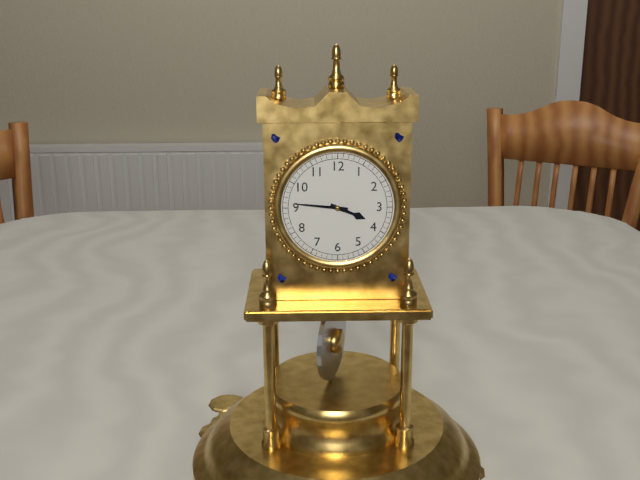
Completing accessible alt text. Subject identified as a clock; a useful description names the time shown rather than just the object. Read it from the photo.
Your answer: 3:46
